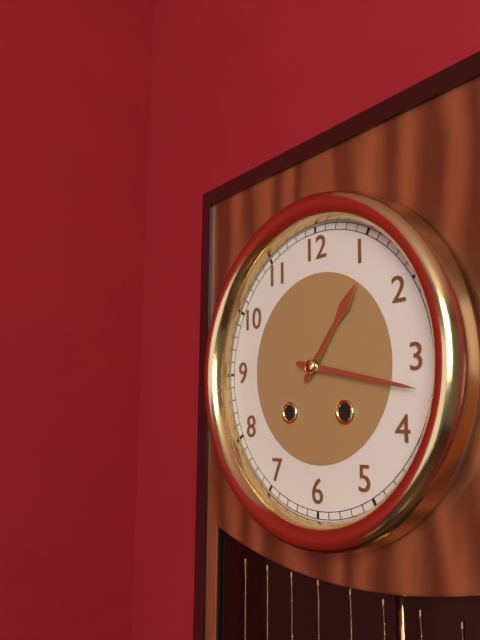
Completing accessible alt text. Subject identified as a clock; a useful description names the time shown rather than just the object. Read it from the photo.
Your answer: 1:17
